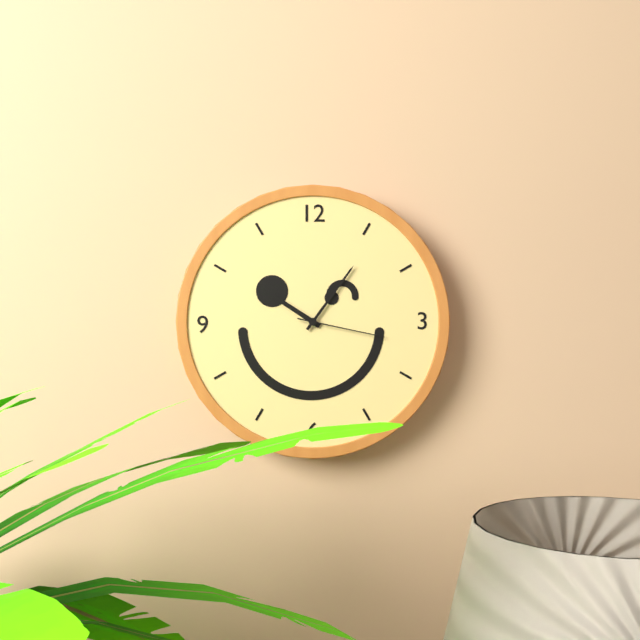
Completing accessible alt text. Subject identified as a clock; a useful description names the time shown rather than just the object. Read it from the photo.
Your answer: 10:06:17
